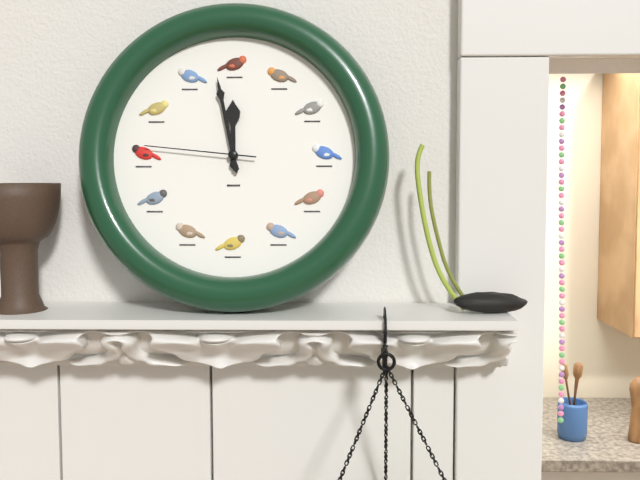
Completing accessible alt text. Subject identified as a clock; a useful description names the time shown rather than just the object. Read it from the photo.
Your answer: 11:58:46
